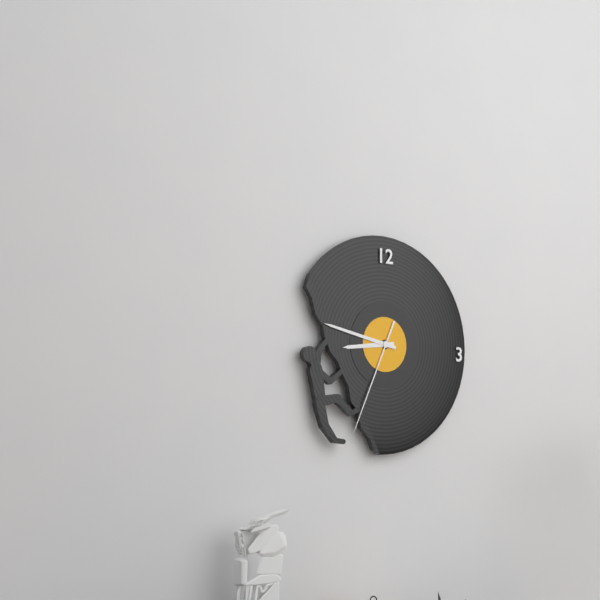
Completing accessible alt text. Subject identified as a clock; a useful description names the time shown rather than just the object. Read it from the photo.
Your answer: 8:47:34
